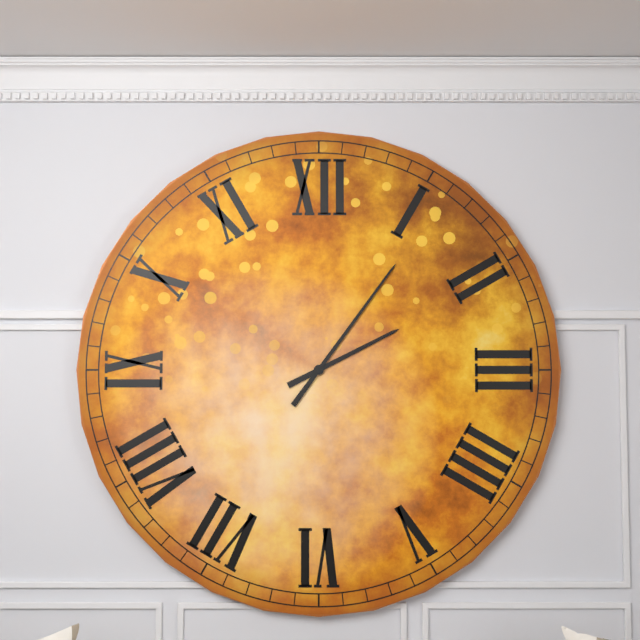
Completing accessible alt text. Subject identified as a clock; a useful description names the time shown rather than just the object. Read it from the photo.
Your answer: 2:06
